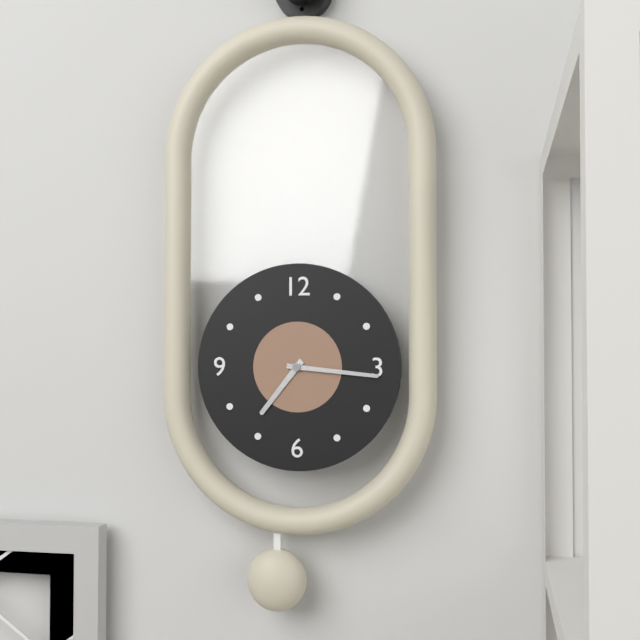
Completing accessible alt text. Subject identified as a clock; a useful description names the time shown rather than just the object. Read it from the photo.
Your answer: 7:16
